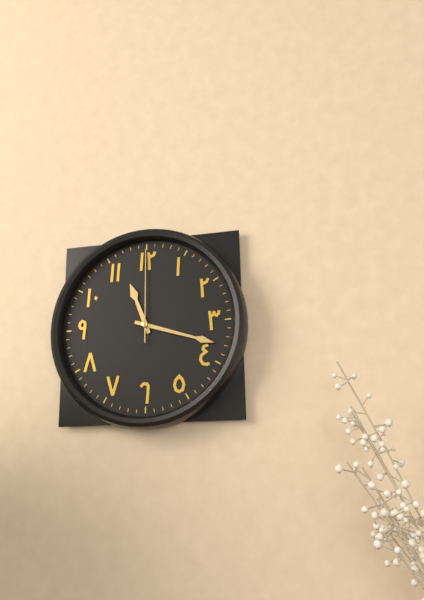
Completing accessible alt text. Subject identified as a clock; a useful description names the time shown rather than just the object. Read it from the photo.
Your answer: 11:18:00
